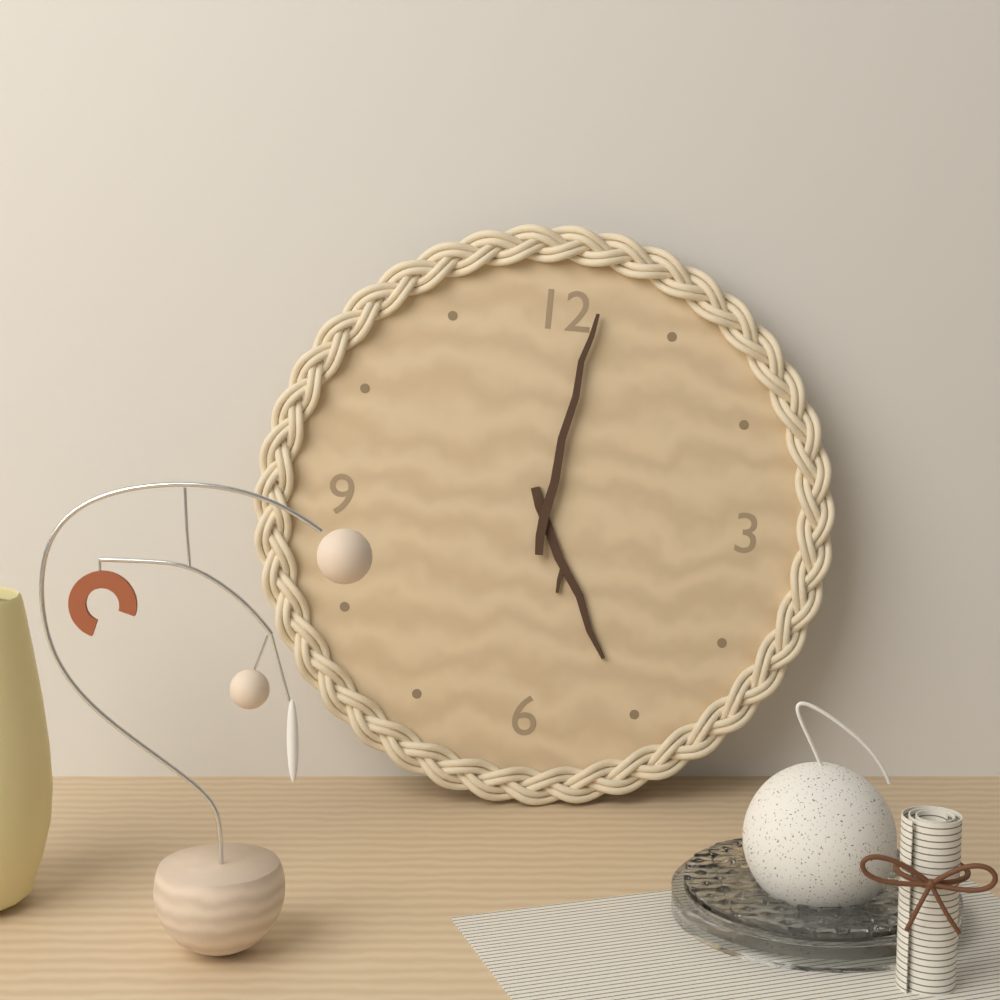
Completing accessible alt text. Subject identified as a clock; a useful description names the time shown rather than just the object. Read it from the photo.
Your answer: 5:01
